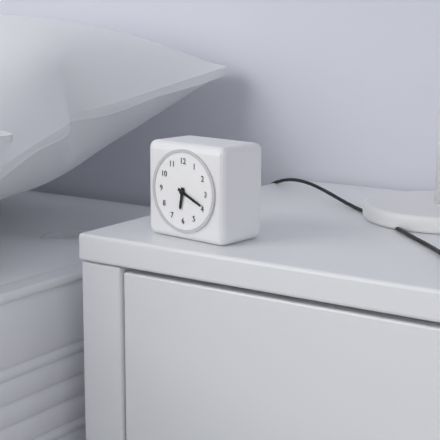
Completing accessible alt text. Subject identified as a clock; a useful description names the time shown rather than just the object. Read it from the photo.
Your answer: 6:19
